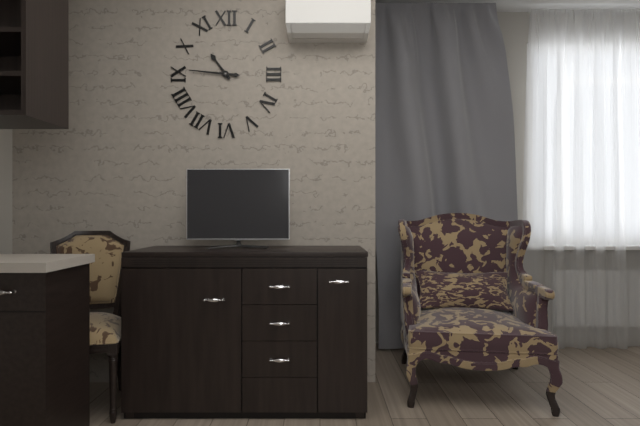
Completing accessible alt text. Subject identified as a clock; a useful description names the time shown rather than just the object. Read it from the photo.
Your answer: 10:46
